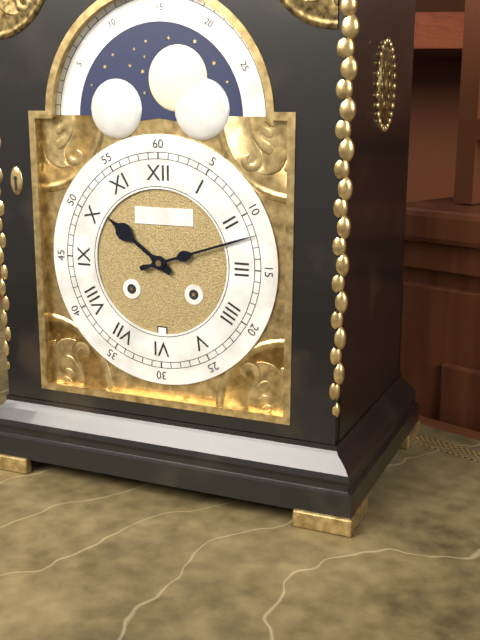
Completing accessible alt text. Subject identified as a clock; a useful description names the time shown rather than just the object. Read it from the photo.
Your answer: 10:12
